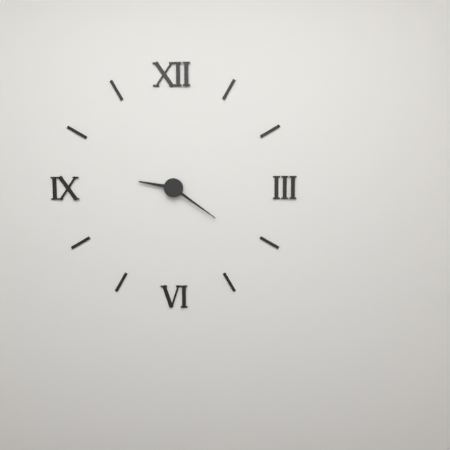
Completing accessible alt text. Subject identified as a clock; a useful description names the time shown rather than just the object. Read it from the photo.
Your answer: 9:21
